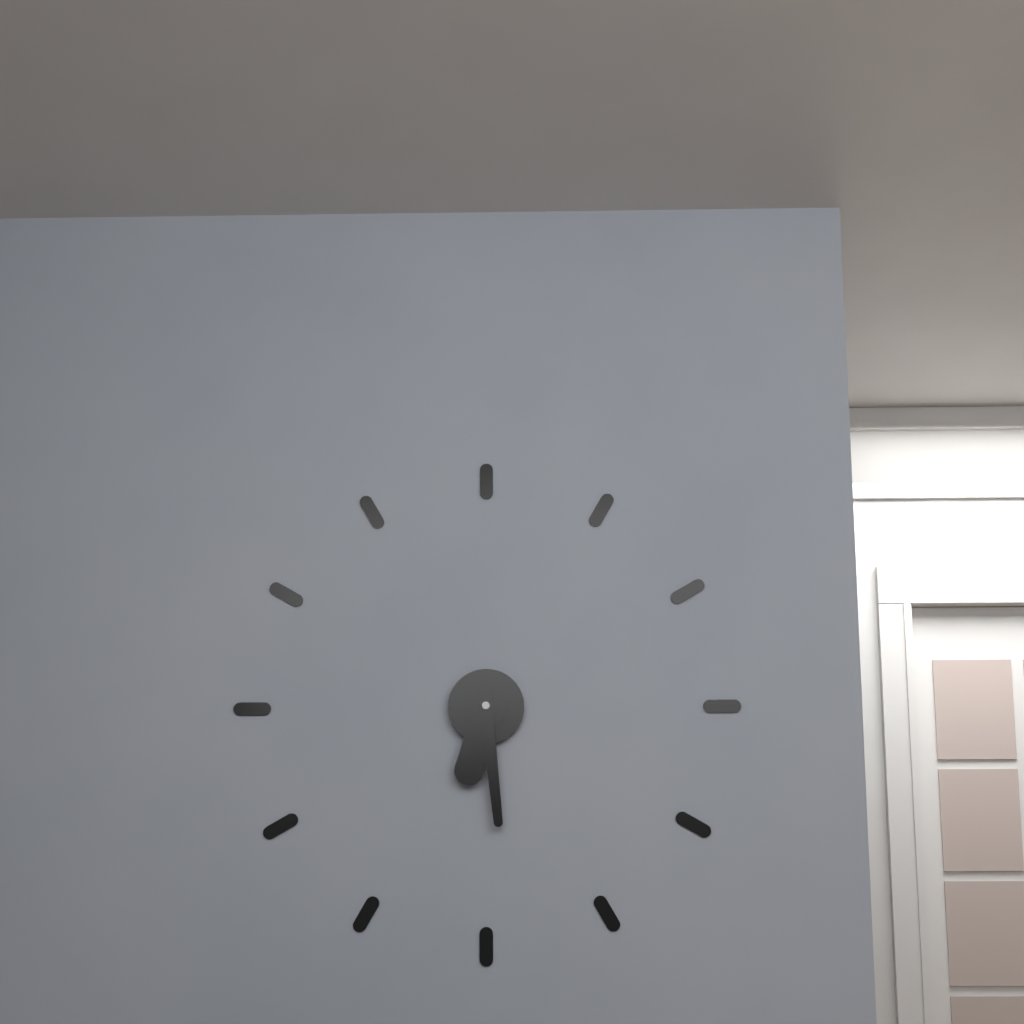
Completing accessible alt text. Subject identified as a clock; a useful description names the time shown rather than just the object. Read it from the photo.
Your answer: 6:29
